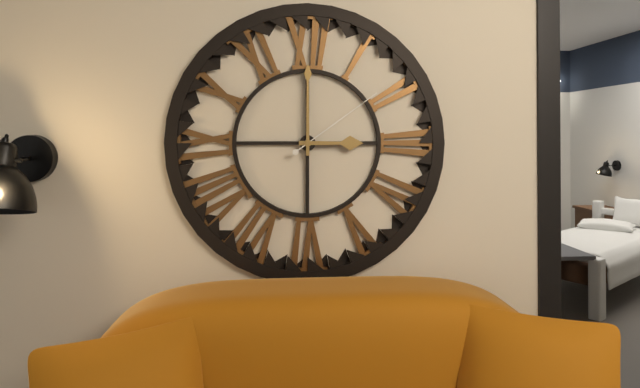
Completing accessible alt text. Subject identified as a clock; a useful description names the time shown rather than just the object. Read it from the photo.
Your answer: 3:00:09
